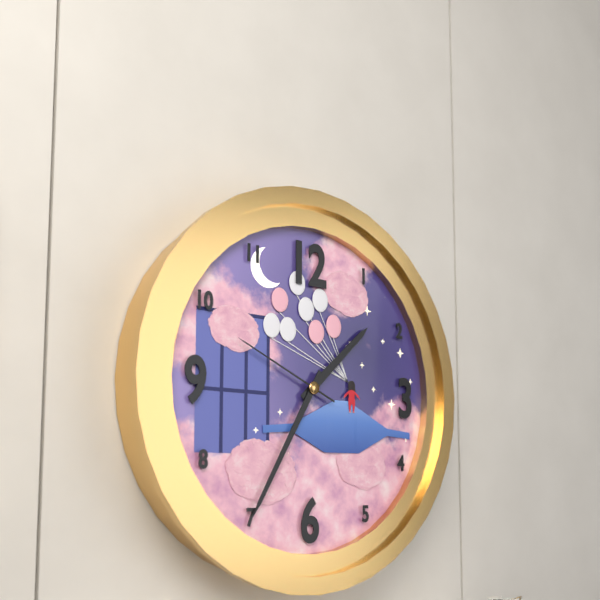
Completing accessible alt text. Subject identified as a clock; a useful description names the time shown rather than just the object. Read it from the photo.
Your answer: 1:35:49
